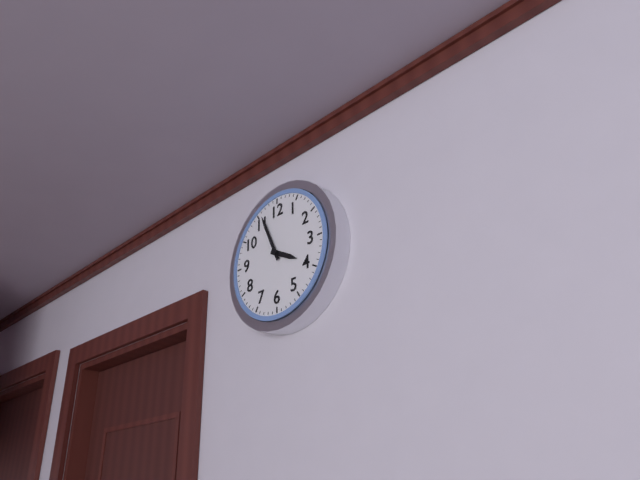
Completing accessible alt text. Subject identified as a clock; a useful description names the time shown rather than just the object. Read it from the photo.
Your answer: 3:56
